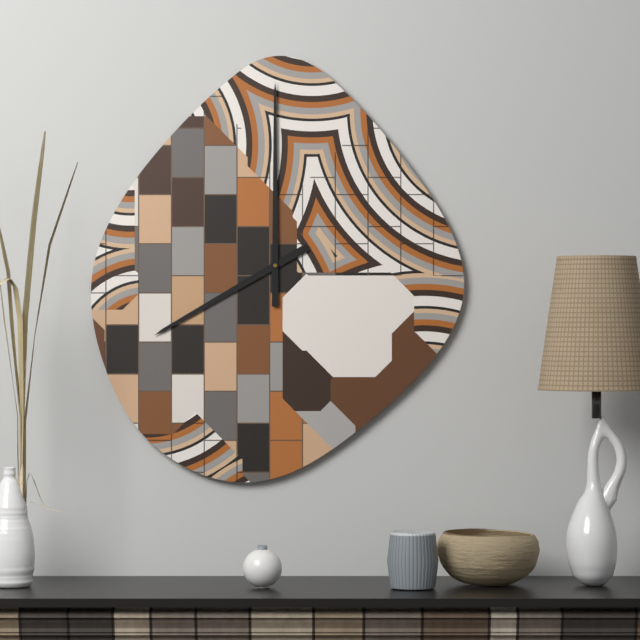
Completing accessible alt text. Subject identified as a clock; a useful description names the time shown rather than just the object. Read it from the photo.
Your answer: 8:00
